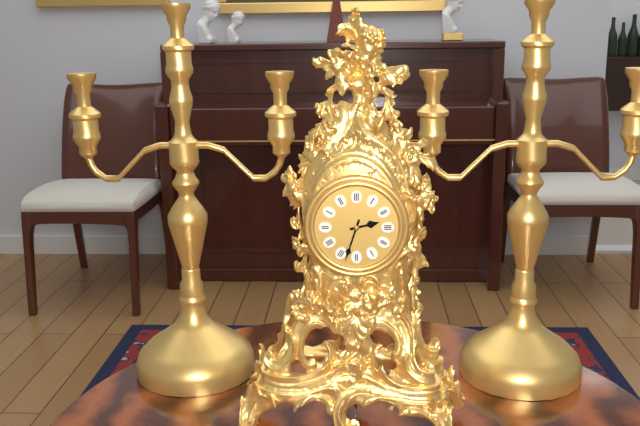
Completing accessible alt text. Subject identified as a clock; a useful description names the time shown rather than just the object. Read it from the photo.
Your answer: 2:33
